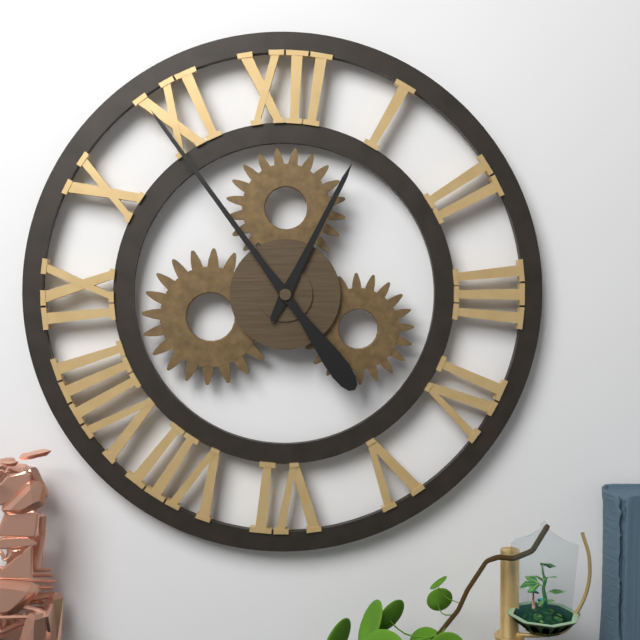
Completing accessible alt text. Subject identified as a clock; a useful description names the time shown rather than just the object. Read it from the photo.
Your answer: 12:54
